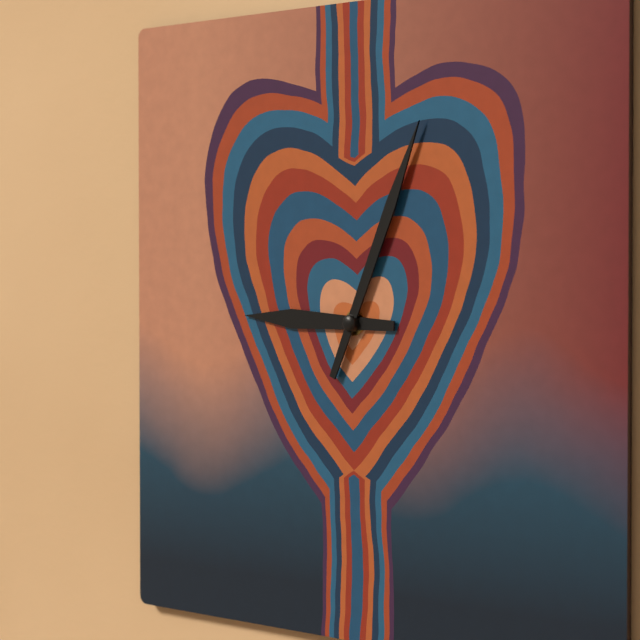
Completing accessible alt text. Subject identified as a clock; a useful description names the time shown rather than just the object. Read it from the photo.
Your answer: 9:04
